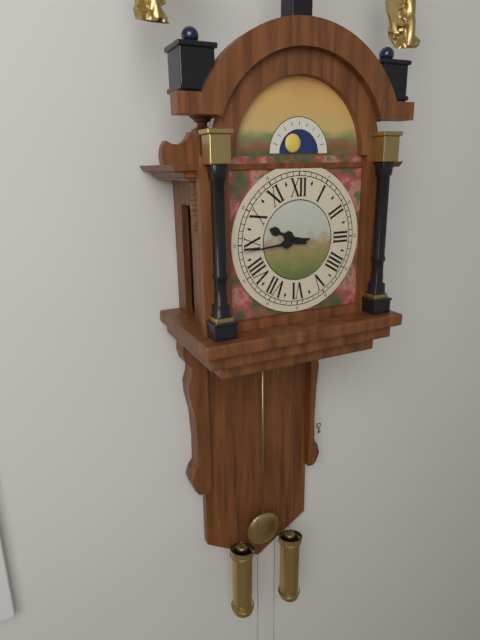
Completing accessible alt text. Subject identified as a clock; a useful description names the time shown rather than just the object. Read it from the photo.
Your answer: 9:44
